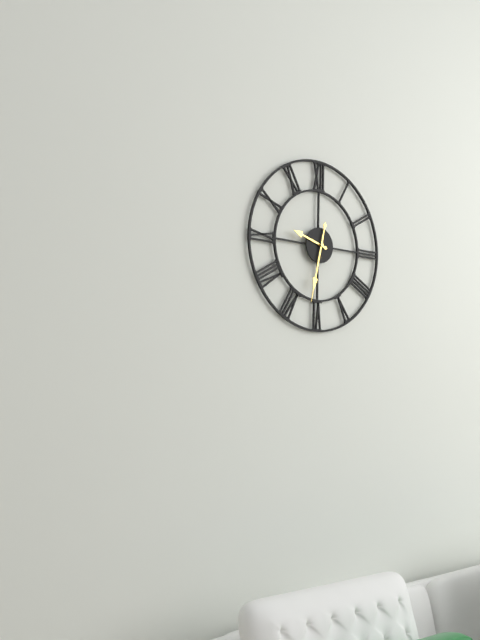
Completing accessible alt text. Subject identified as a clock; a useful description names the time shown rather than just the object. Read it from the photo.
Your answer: 9:32
